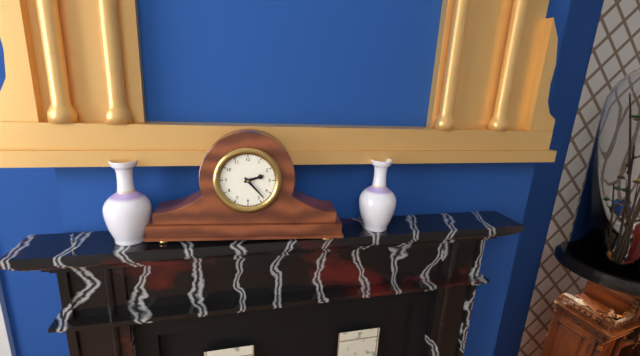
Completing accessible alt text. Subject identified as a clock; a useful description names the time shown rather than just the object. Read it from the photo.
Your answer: 2:23
